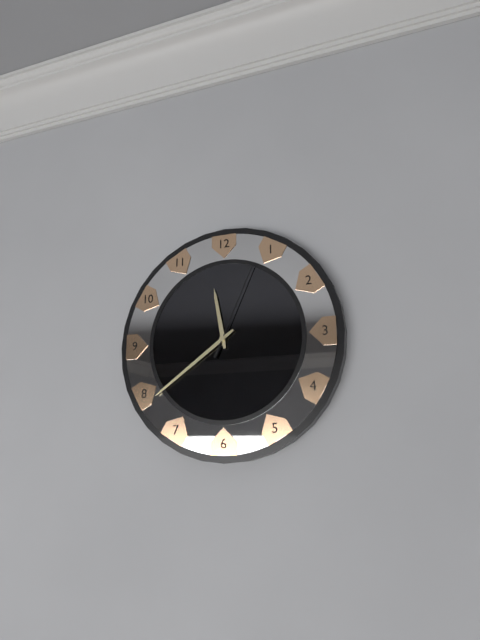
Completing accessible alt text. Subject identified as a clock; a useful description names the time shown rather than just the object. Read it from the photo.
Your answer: 11:39:04
